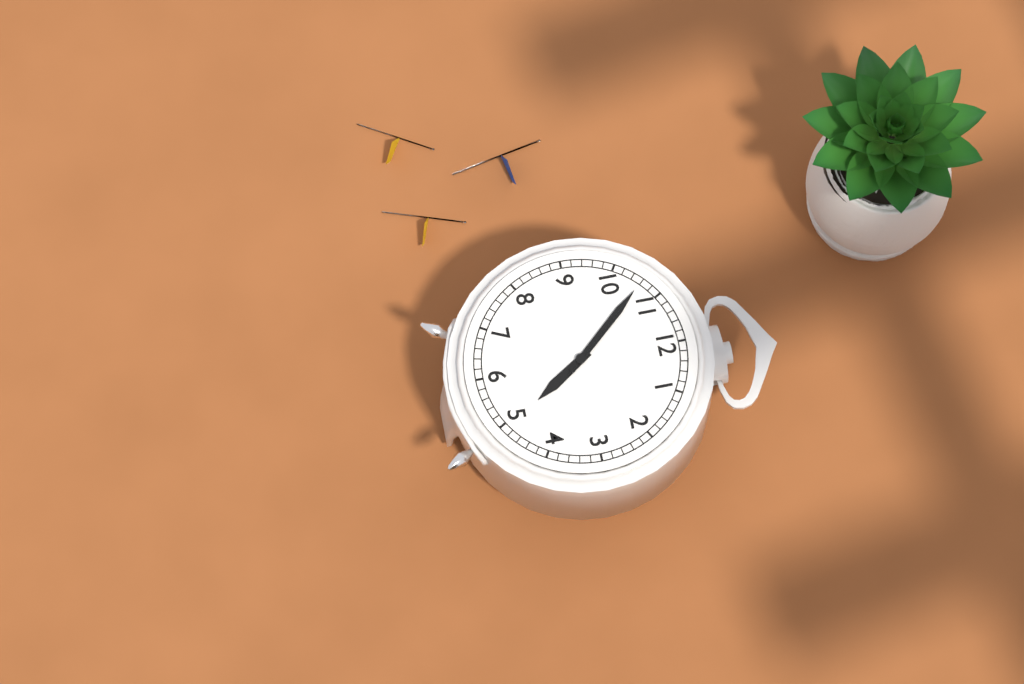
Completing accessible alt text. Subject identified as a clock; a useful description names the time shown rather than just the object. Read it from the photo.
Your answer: 4:53:53
